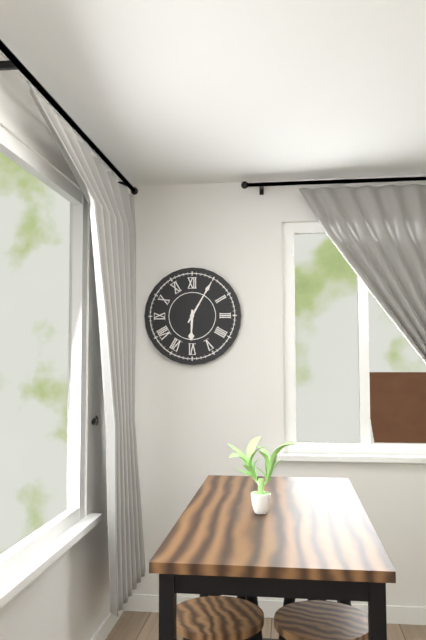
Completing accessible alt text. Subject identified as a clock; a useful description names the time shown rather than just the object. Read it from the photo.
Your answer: 6:05
